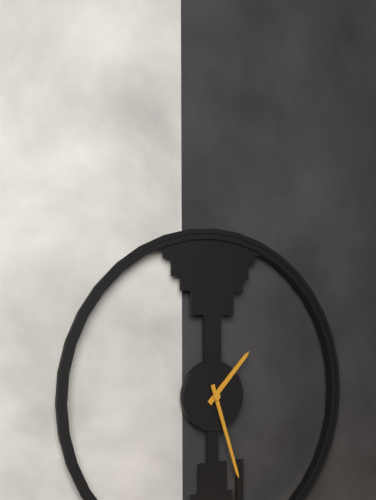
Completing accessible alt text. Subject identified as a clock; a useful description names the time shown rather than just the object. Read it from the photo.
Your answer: 1:27
